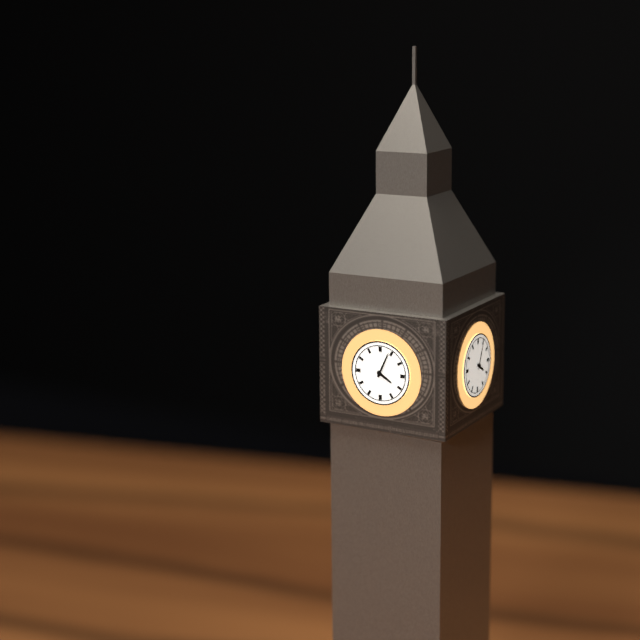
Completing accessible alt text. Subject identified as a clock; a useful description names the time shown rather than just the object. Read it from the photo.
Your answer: 4:04
